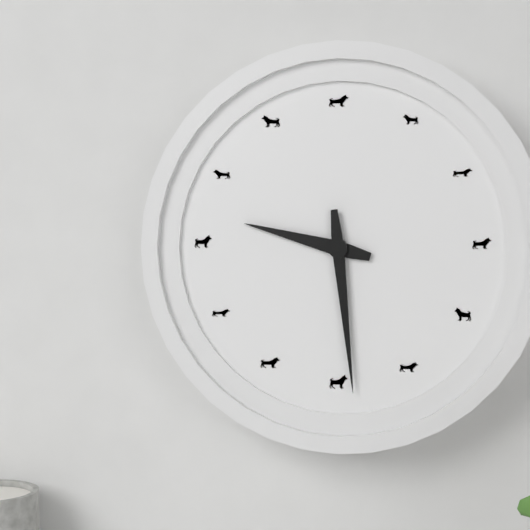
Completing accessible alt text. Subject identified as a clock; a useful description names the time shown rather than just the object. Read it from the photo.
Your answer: 9:29
